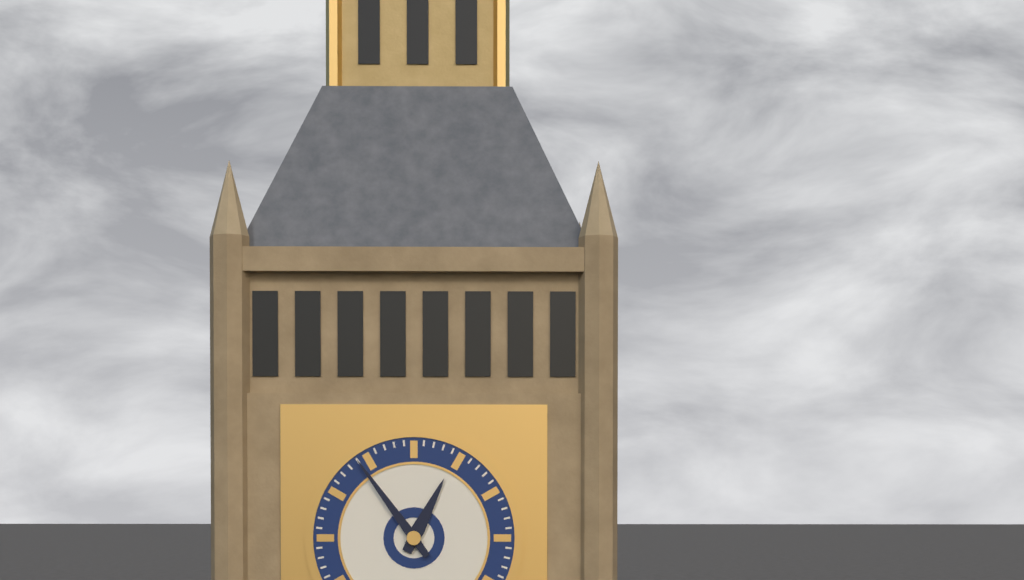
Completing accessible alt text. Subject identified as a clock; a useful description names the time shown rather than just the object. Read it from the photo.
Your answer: 12:54
